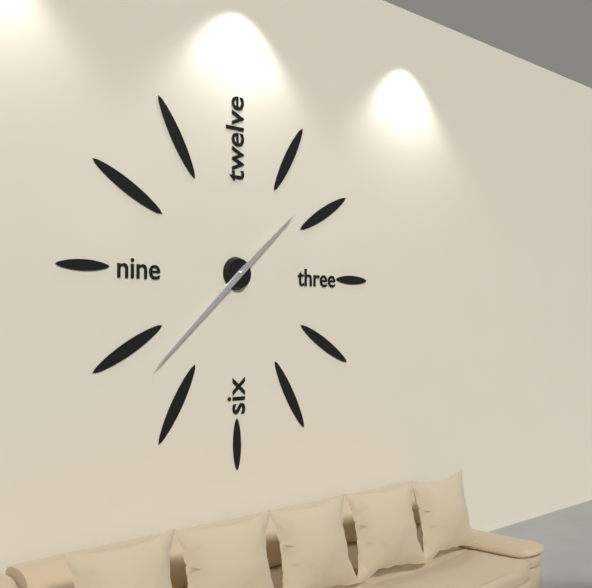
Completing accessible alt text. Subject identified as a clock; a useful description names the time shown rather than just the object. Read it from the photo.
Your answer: 1:38
